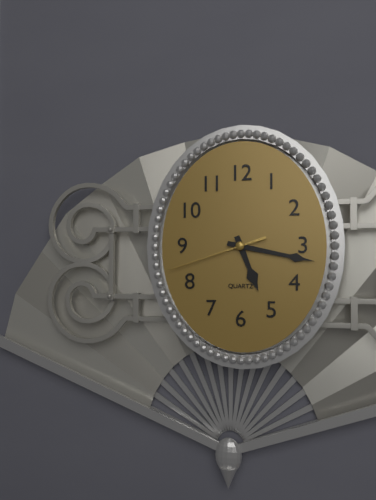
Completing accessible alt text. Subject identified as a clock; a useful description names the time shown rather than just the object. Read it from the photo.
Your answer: 5:17:42
